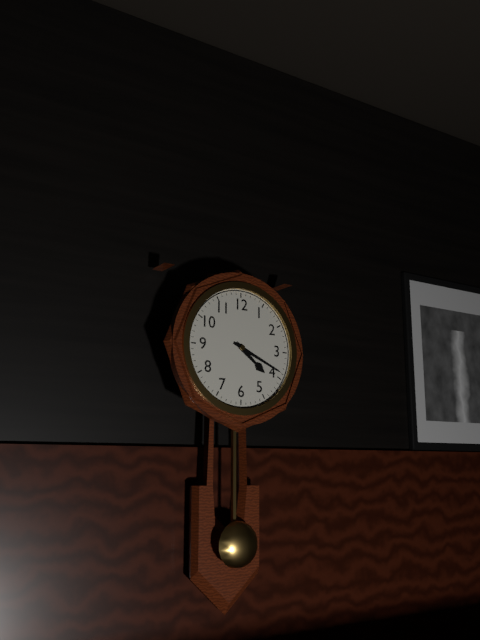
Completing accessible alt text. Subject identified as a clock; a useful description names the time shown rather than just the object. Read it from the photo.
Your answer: 4:19
